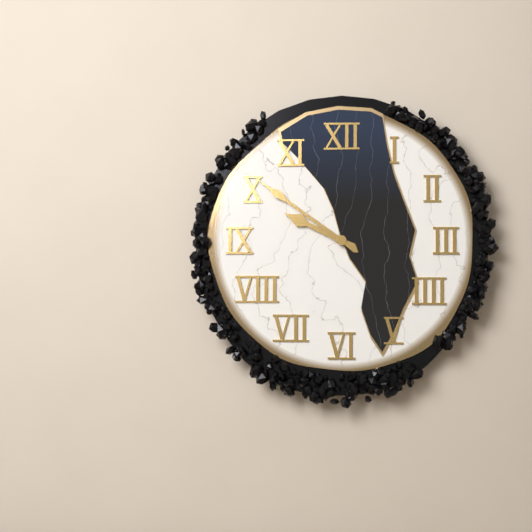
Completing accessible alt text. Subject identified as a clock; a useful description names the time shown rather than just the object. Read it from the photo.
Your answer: 9:51
